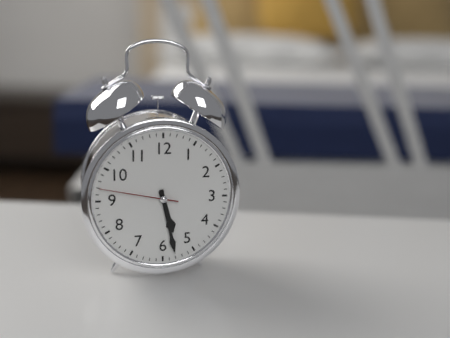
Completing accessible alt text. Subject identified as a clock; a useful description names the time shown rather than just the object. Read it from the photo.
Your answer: 5:28:47
